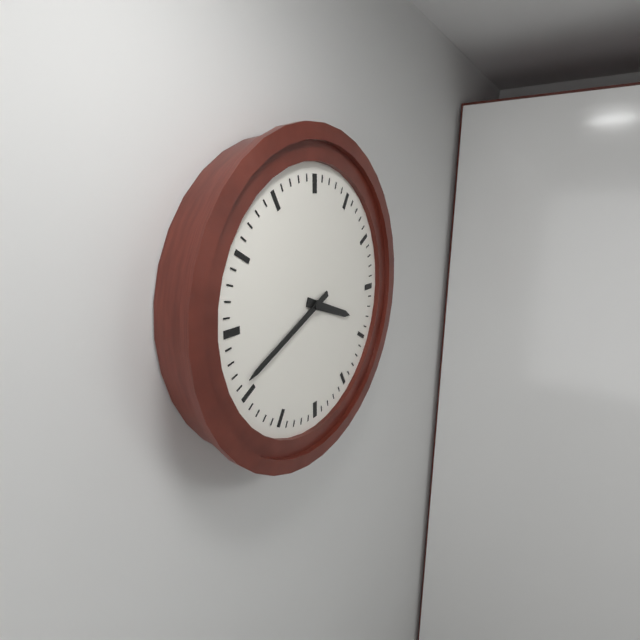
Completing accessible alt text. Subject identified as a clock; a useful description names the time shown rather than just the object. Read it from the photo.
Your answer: 3:41
